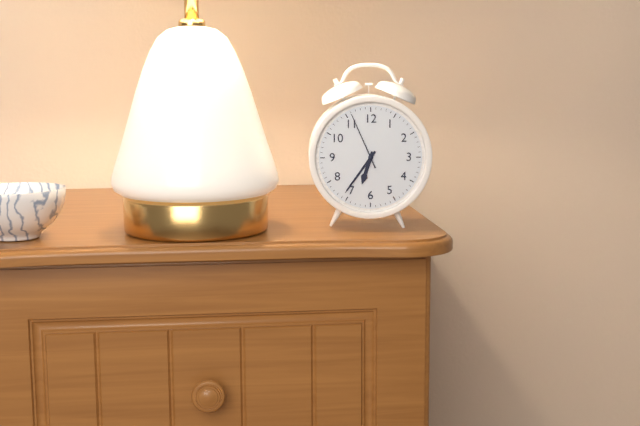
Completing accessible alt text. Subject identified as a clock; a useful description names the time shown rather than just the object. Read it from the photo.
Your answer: 6:36:56
